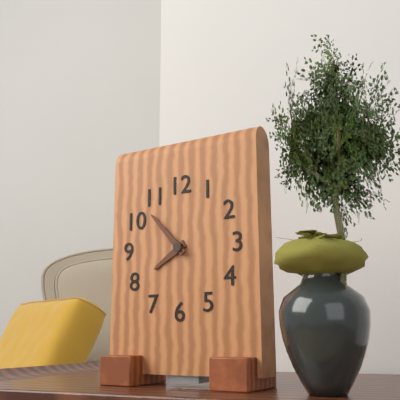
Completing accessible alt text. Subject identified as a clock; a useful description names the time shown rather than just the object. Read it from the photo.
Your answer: 7:53
